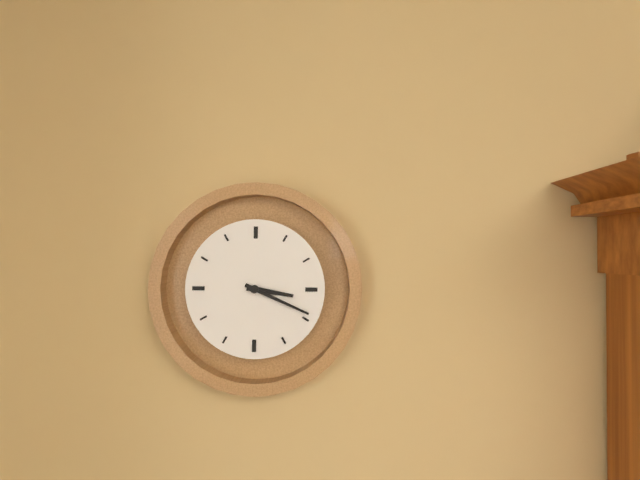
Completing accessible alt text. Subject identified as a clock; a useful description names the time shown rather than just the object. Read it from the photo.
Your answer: 3:19
